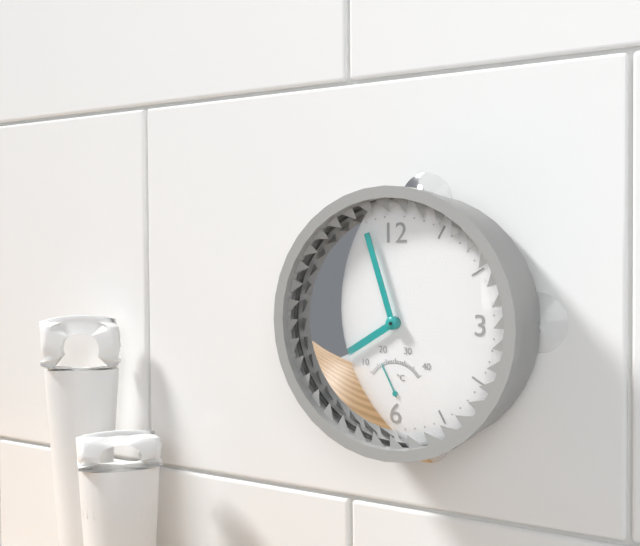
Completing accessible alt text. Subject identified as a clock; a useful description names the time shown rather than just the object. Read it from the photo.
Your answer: 7:57
